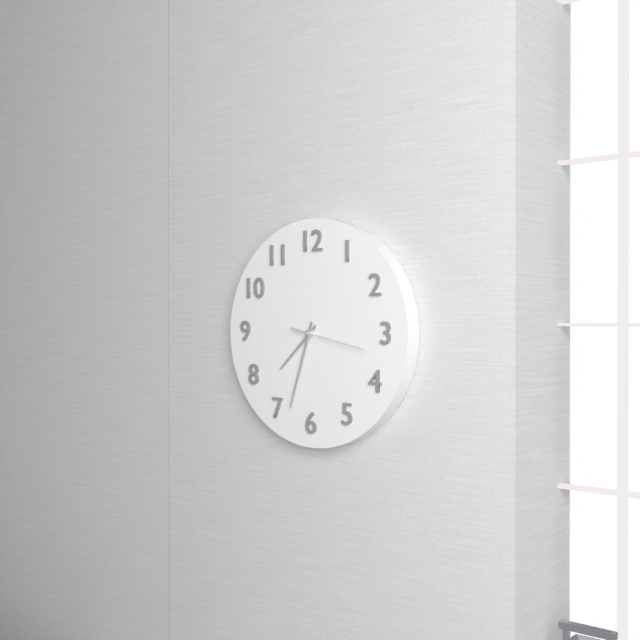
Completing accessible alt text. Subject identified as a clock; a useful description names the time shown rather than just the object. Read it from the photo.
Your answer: 7:33:17
